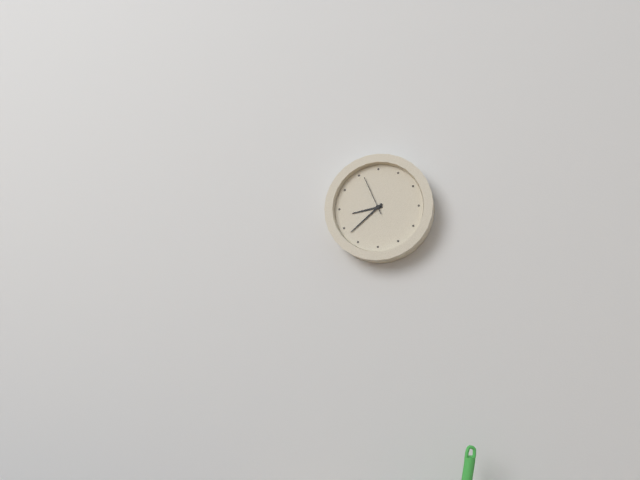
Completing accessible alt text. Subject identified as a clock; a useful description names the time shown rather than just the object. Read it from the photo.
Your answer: 8:38
